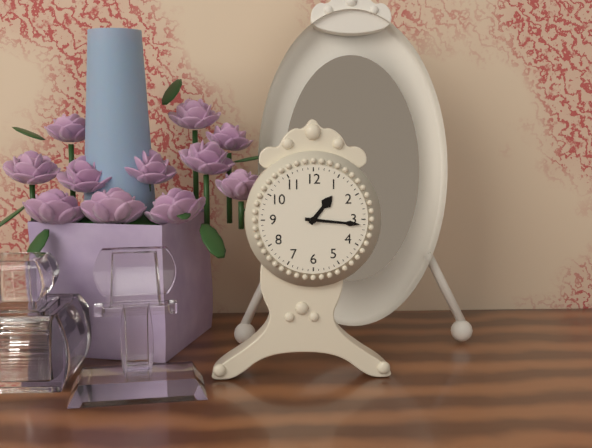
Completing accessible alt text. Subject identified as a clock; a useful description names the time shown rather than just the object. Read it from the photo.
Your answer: 1:16
